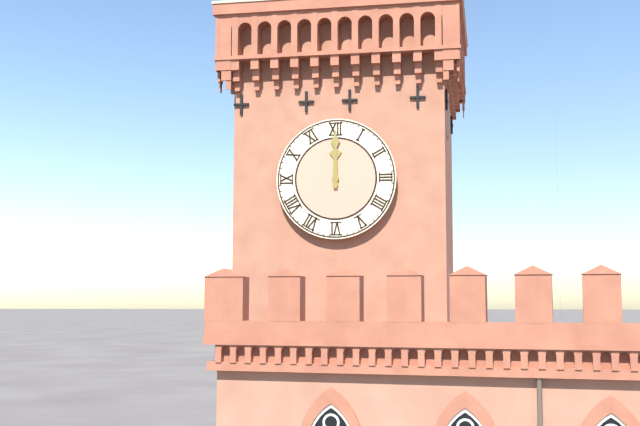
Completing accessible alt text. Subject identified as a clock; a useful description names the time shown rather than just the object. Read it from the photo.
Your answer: 12:00
